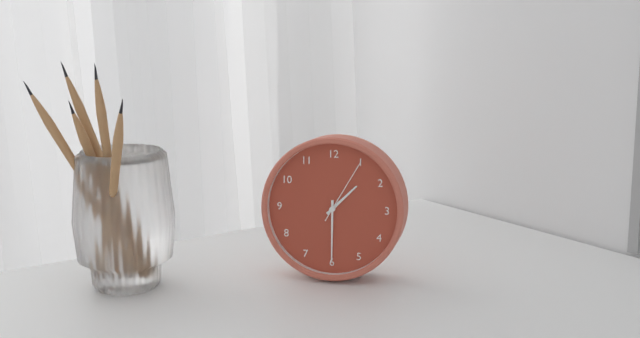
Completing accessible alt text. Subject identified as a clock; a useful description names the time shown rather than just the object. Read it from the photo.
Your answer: 1:30:05
